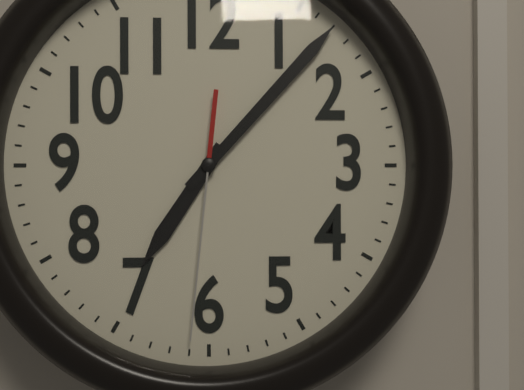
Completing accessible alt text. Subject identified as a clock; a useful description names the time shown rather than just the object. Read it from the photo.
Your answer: 7:07:31
